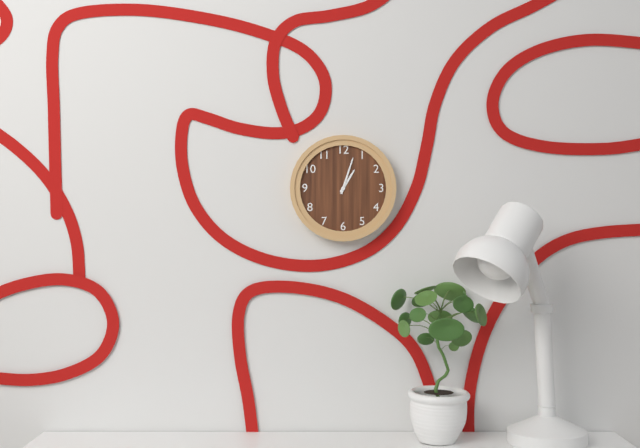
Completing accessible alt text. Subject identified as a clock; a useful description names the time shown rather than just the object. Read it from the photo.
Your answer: 1:03
